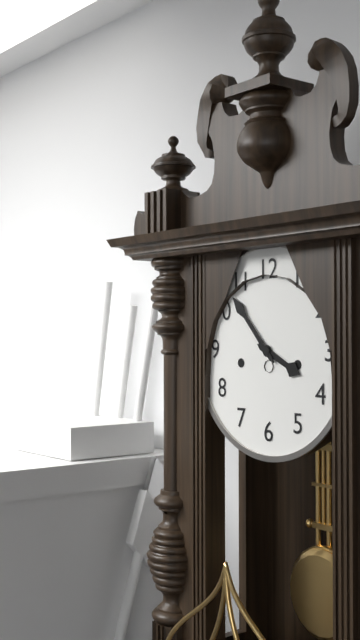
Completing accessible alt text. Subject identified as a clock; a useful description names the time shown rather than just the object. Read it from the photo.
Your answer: 3:53
